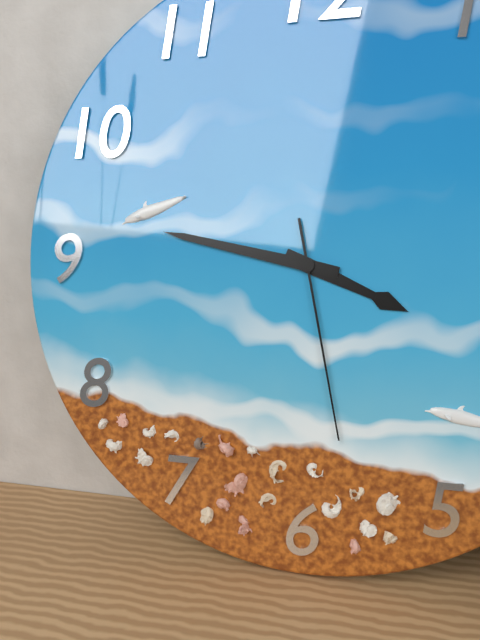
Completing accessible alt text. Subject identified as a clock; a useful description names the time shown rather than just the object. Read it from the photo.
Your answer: 3:47:28
